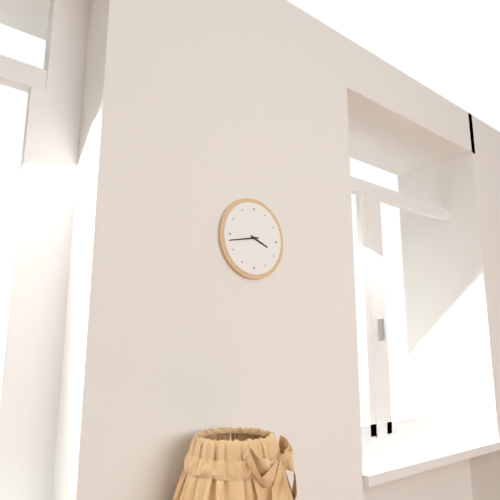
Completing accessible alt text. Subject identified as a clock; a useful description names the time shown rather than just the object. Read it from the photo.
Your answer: 3:43
